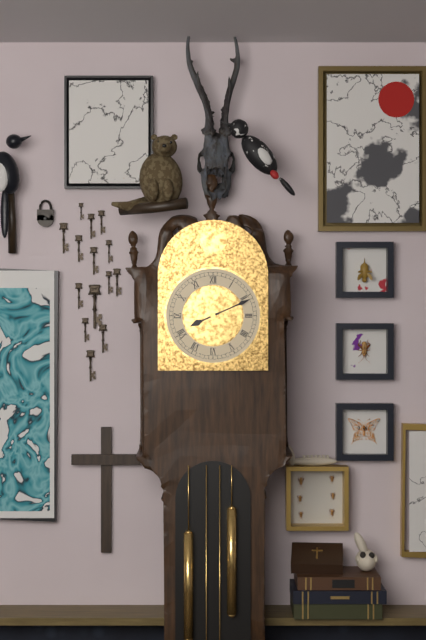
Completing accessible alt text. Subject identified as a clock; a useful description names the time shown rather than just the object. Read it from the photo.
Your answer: 8:11
